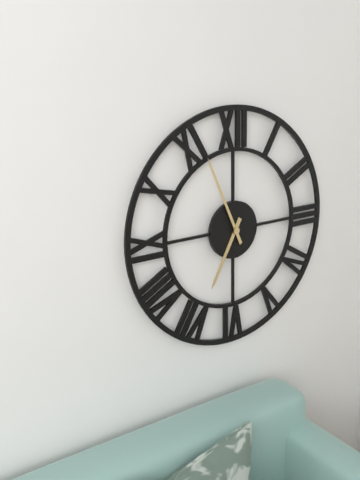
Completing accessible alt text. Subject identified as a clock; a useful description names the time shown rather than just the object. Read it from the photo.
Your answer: 6:56
